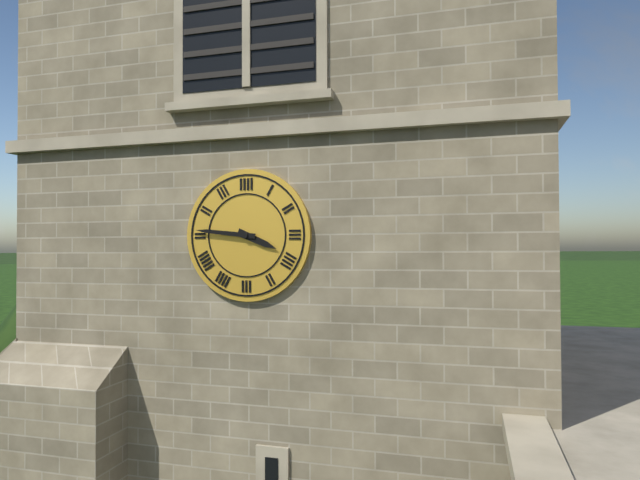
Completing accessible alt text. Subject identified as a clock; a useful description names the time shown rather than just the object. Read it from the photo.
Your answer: 3:46
